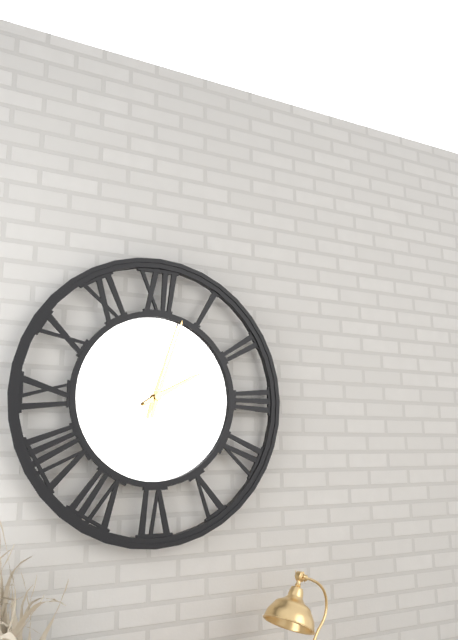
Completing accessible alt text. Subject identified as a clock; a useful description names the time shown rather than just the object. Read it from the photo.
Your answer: 2:03
